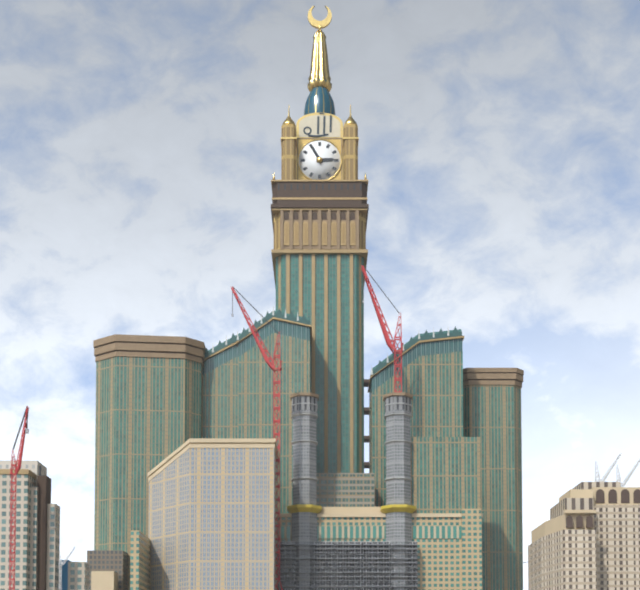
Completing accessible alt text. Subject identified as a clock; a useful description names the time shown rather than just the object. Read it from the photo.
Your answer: 2:55
